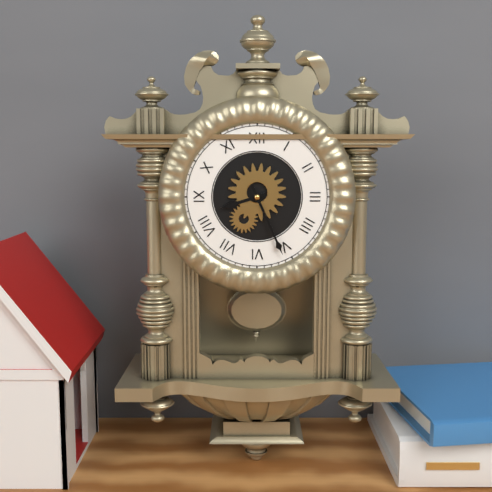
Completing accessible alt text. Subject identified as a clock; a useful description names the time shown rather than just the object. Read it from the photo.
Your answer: 8:26
